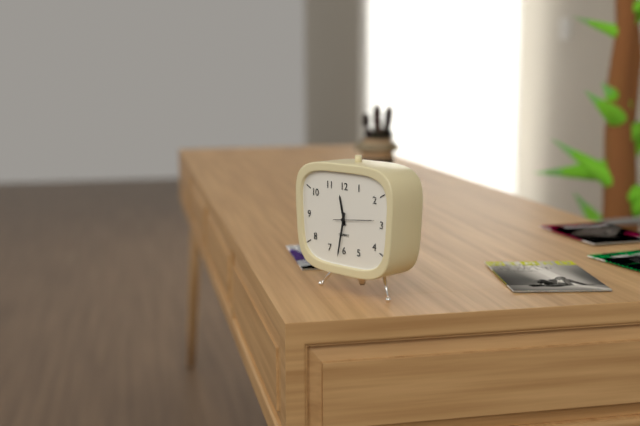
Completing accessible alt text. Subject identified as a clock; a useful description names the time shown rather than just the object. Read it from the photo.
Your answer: 11:32
